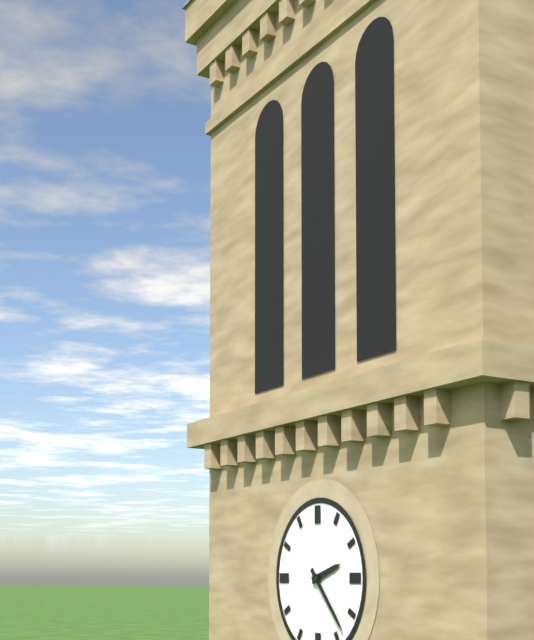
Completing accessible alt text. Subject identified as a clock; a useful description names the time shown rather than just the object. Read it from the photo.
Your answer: 2:23
